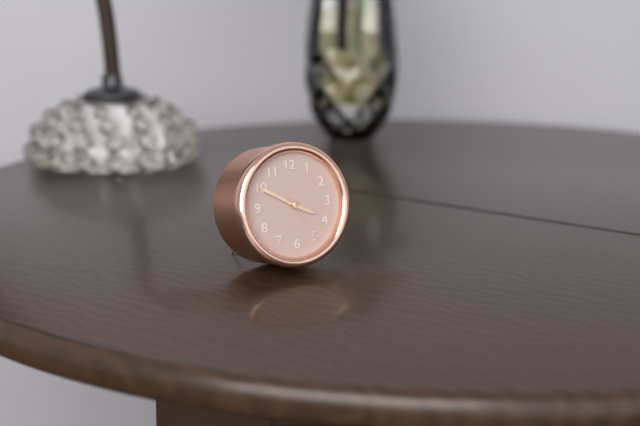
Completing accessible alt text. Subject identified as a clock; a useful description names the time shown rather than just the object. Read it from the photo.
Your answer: 3:50:25
